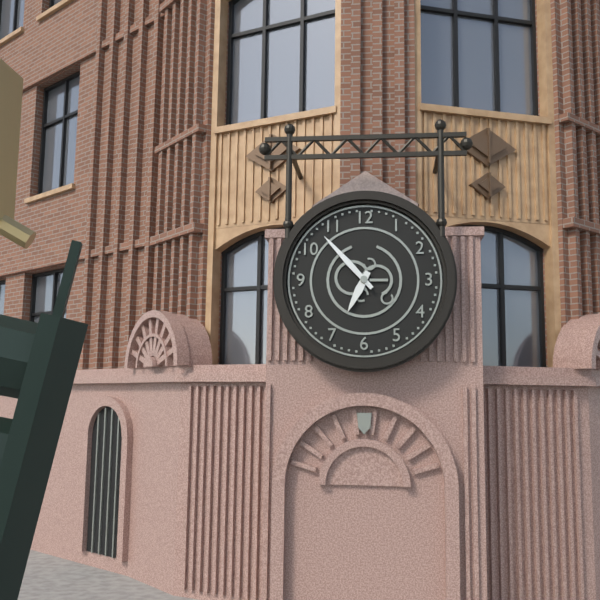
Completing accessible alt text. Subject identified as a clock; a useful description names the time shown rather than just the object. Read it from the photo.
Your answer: 6:53
